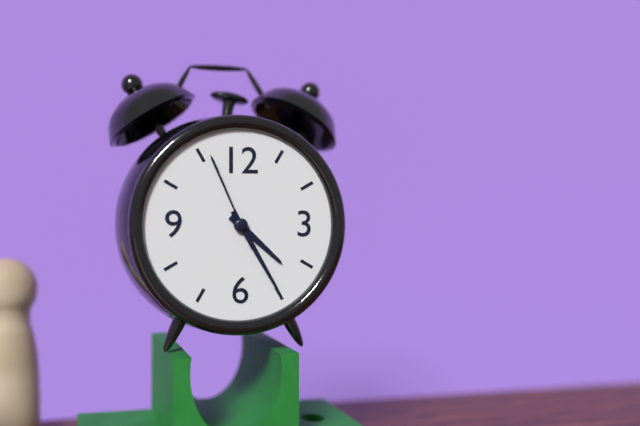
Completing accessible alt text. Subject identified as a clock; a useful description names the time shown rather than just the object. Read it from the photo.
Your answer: 4:25:56
